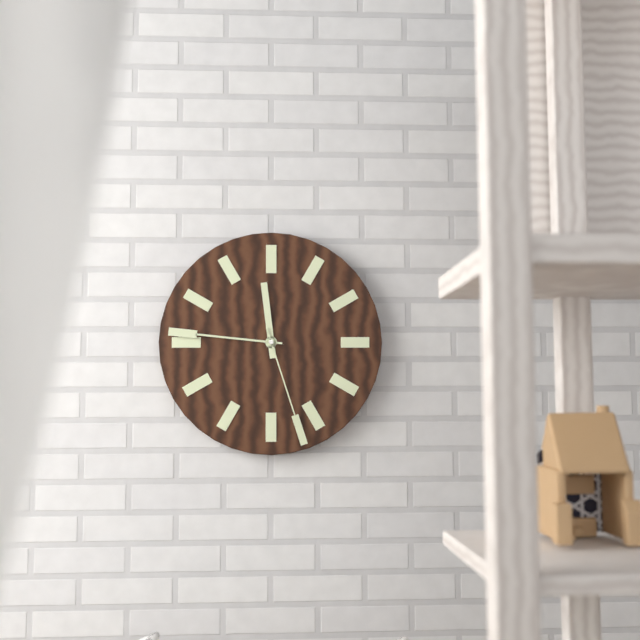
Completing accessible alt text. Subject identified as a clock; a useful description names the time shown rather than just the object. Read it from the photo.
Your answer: 11:46:27
